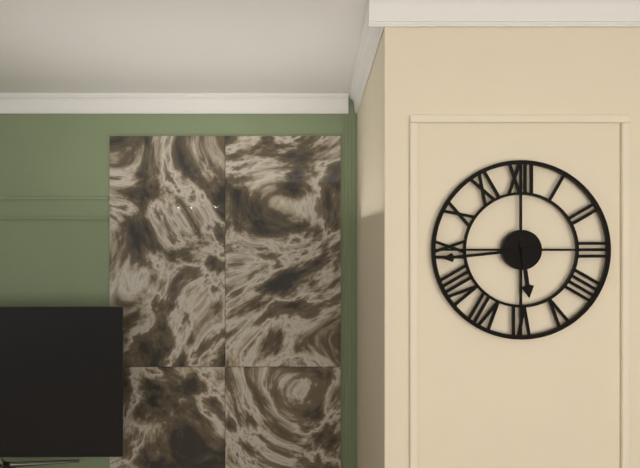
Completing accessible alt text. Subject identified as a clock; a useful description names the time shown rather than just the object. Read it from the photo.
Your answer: 5:44
